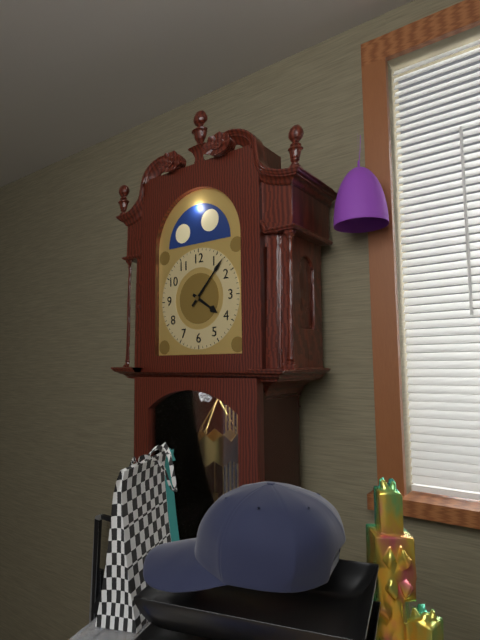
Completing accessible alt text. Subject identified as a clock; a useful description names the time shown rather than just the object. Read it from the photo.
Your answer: 4:07
